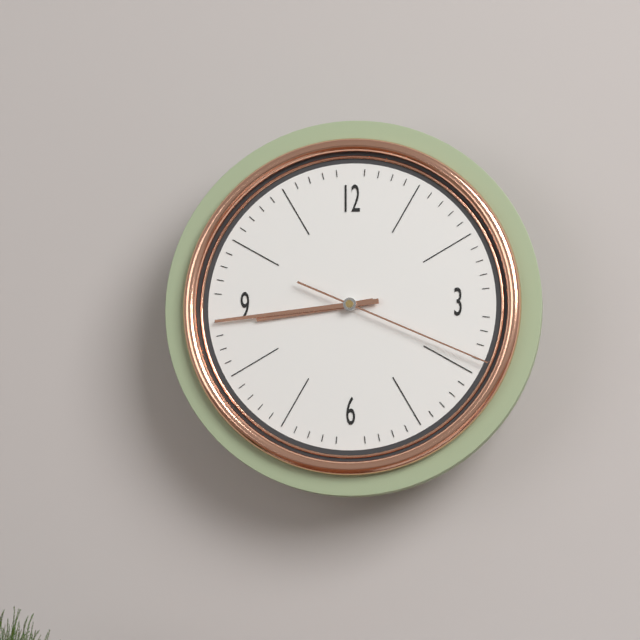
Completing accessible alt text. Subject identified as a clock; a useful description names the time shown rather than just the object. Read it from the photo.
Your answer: 8:44:19
